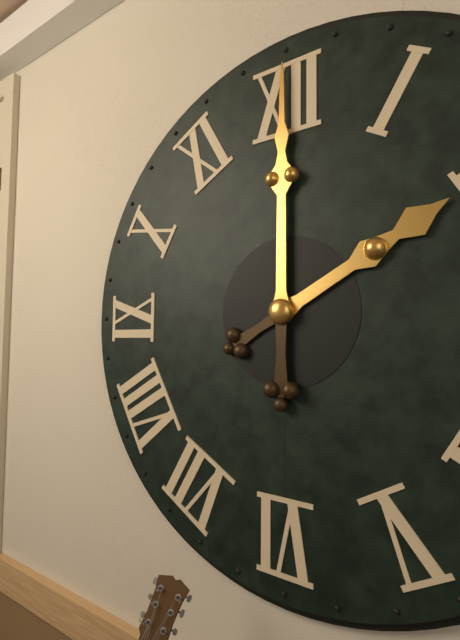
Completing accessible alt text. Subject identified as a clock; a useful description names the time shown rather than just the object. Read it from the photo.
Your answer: 2:00
